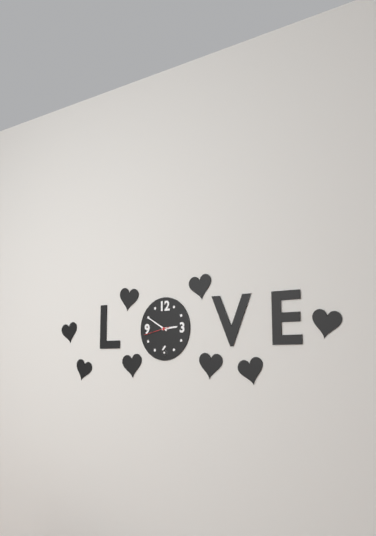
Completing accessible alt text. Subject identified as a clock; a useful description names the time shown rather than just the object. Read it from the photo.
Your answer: 2:50
